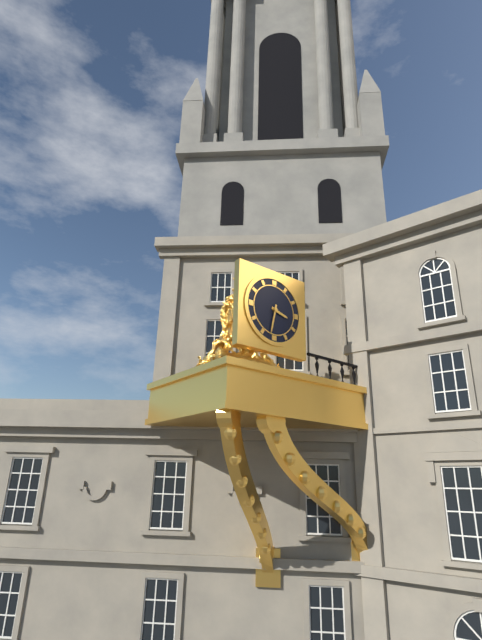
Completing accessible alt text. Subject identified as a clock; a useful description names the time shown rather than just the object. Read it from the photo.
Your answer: 3:32
